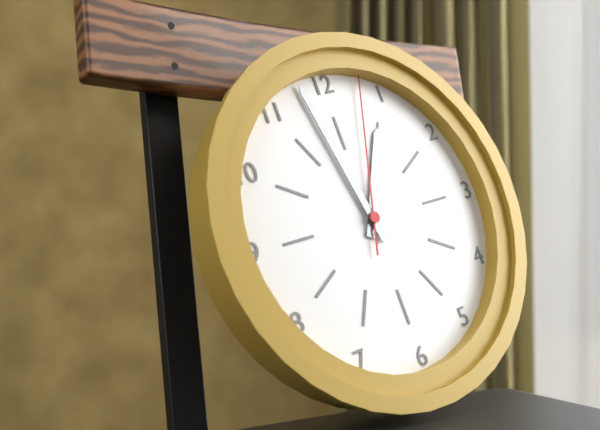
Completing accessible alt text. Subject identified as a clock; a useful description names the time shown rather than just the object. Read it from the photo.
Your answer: 12:58:03
